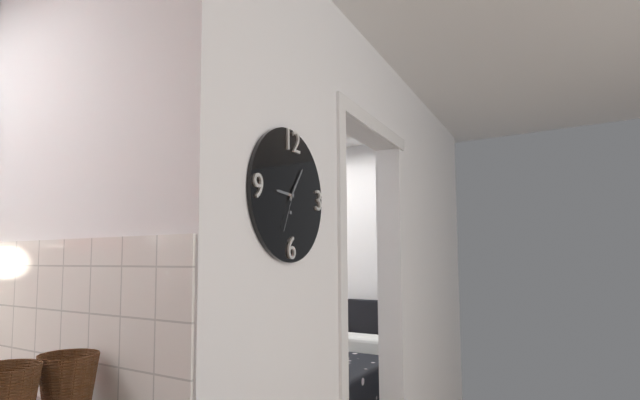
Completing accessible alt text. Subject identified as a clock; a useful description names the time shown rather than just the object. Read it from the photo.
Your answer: 9:06
